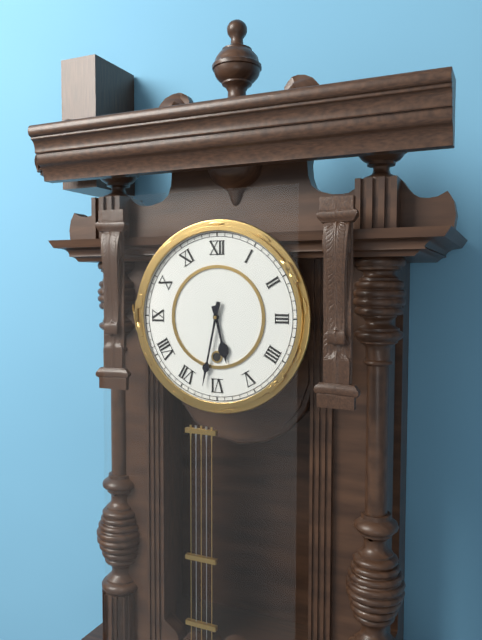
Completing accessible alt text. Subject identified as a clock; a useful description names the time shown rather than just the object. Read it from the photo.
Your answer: 5:32
